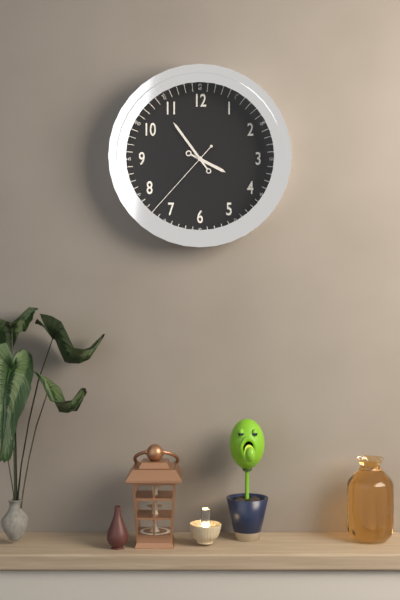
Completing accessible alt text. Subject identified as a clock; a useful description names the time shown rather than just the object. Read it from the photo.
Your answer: 3:54:37
